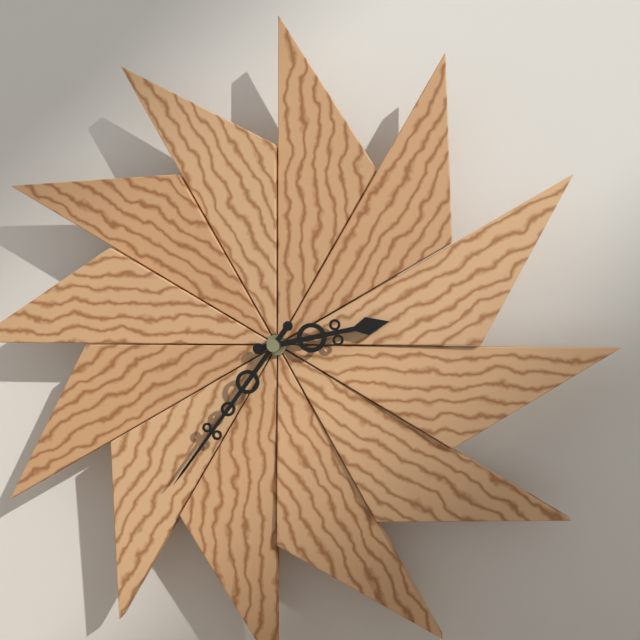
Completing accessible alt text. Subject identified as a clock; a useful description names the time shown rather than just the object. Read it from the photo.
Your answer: 2:36
